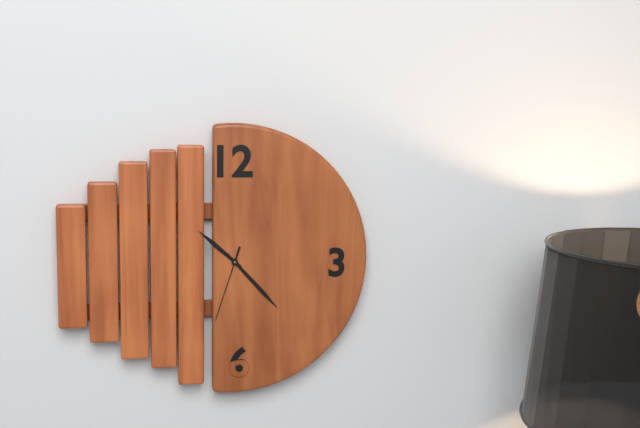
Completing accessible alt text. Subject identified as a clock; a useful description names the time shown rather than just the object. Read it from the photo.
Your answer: 10:23:33
